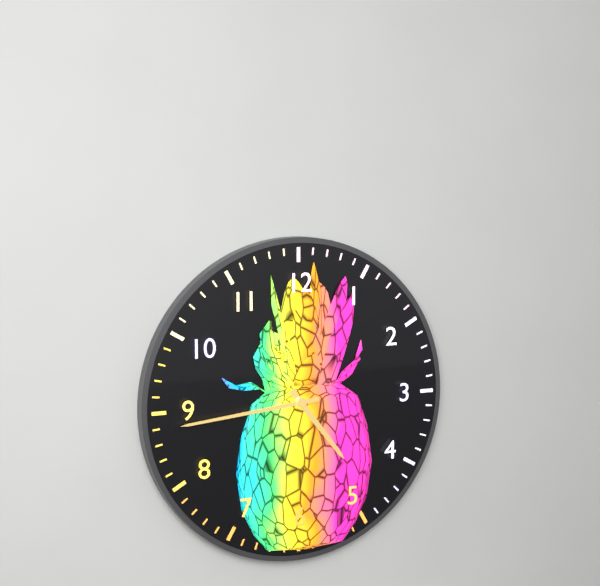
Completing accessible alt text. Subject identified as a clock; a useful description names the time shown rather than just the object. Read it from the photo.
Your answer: 4:44
